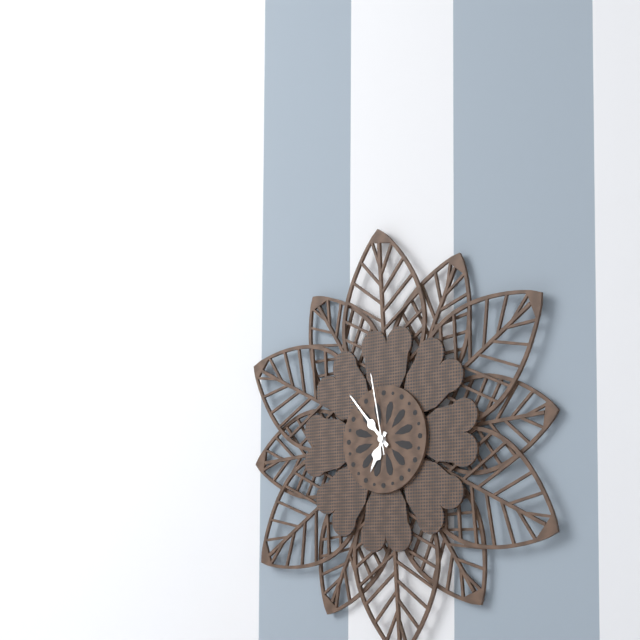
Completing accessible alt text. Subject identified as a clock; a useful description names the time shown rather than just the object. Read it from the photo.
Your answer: 6:53:58
